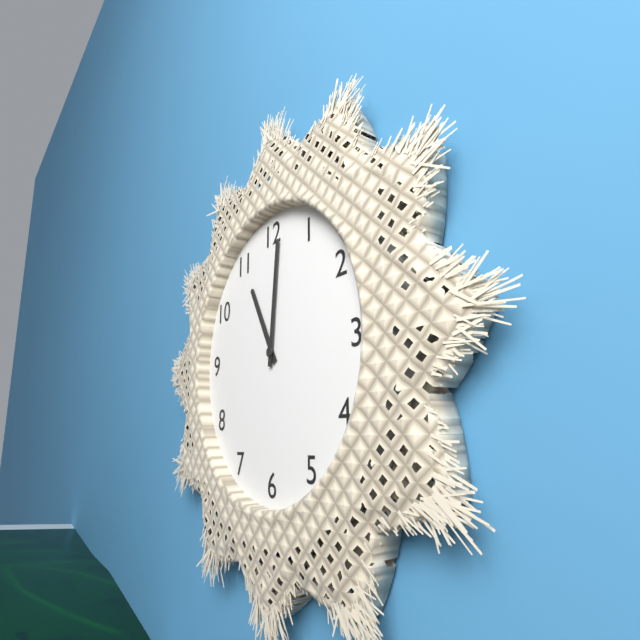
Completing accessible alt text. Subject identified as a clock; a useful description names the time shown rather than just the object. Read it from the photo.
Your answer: 11:01
